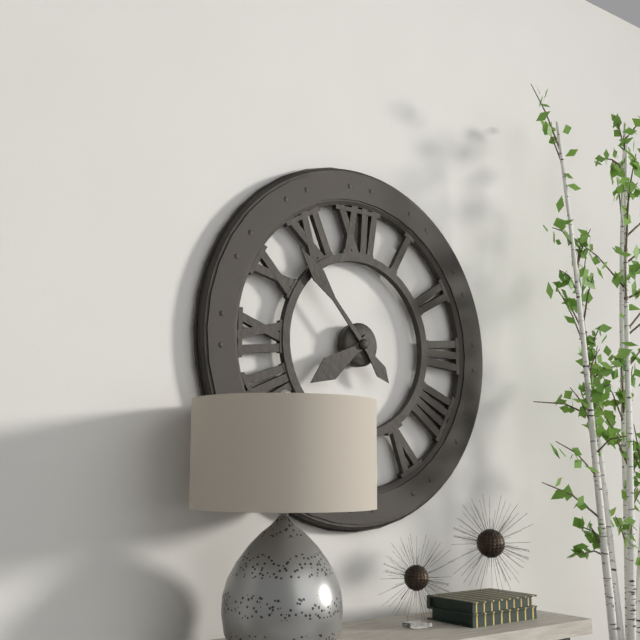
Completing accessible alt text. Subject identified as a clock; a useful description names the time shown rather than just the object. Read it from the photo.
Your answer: 7:53
